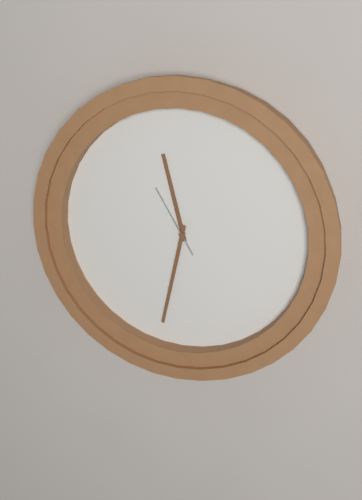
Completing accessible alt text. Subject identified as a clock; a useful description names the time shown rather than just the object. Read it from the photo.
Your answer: 11:32:55
